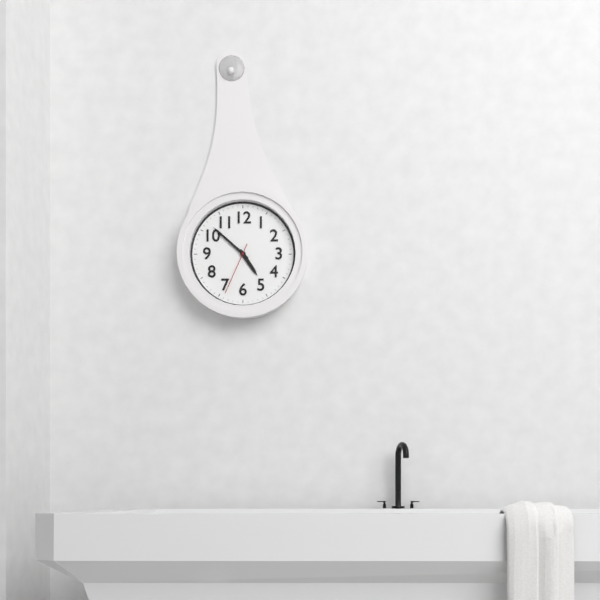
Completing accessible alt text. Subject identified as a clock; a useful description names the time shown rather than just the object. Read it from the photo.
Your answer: 4:52:34
